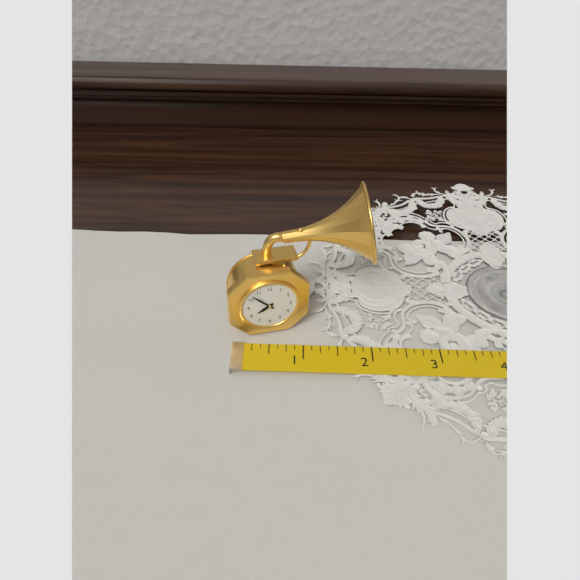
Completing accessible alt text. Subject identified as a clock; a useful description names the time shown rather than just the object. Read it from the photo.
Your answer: 7:52
